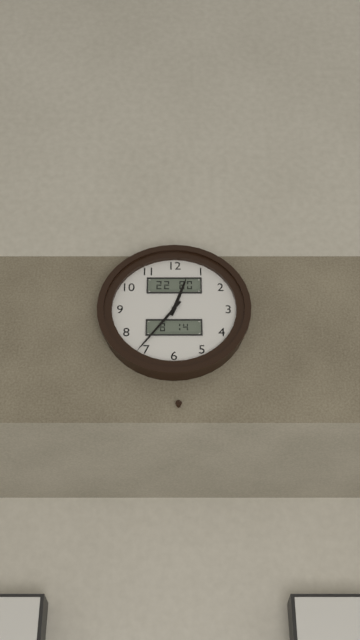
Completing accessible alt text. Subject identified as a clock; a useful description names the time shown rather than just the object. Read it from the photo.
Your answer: 12:36
